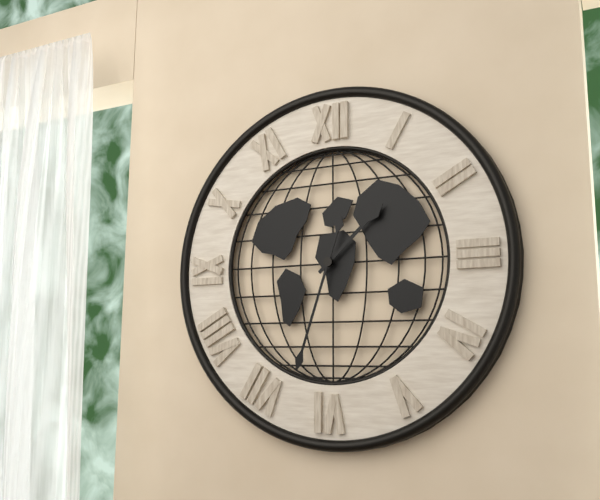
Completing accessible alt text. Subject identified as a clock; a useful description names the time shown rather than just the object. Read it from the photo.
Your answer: 1:33
